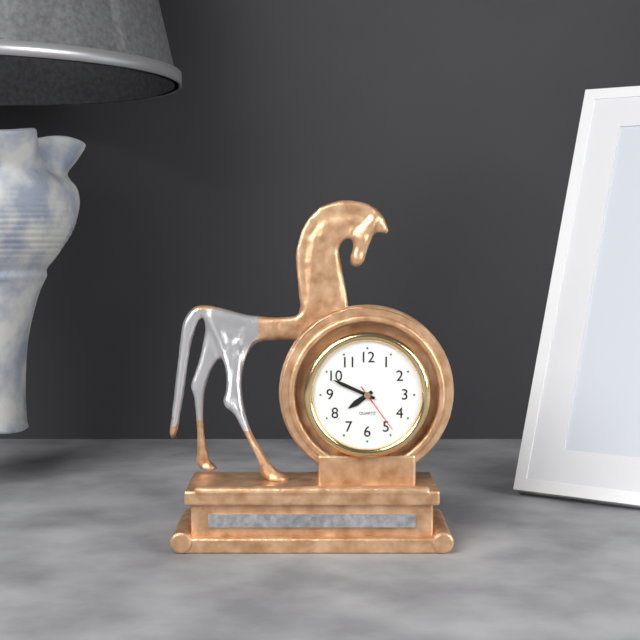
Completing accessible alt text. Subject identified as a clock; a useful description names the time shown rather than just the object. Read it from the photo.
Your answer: 7:49:24
